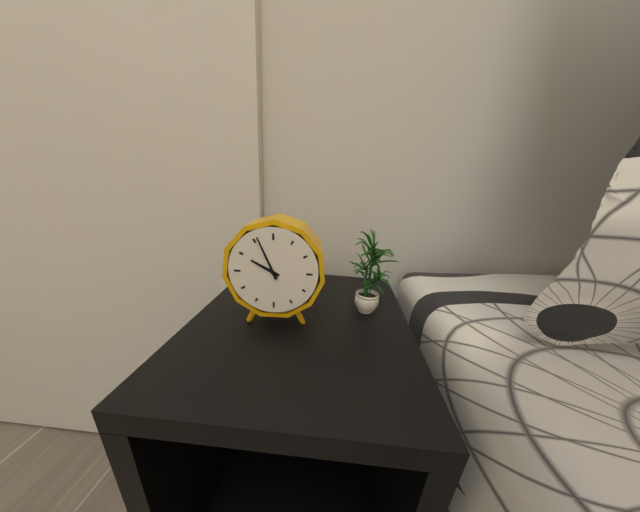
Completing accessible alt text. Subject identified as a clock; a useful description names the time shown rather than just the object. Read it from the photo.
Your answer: 9:56
